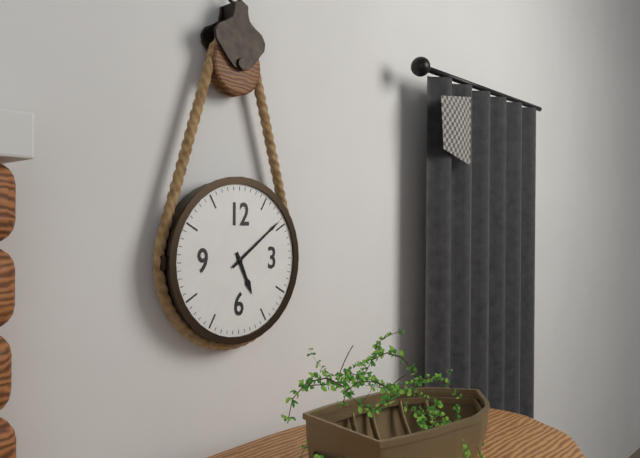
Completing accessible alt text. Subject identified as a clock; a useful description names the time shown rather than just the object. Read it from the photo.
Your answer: 5:09
